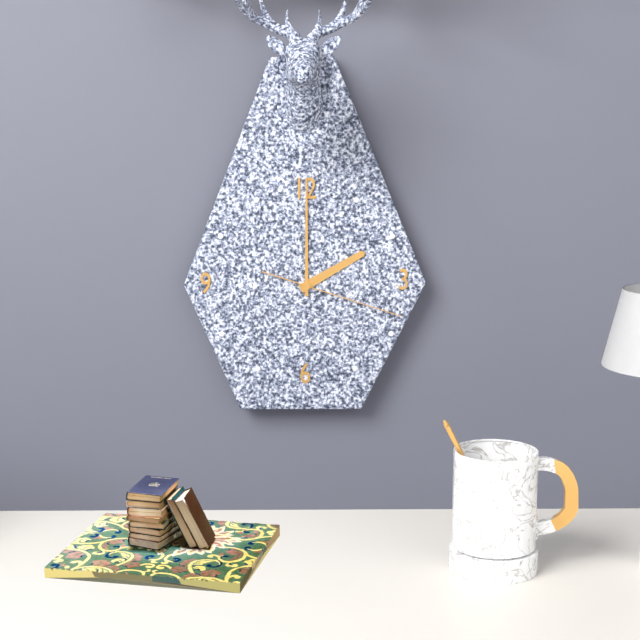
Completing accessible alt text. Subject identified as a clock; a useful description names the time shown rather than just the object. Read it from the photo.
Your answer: 2:00:18
